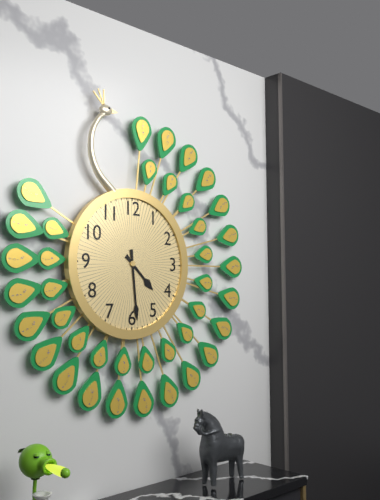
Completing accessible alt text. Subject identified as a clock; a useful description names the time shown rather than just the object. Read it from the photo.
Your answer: 4:29
